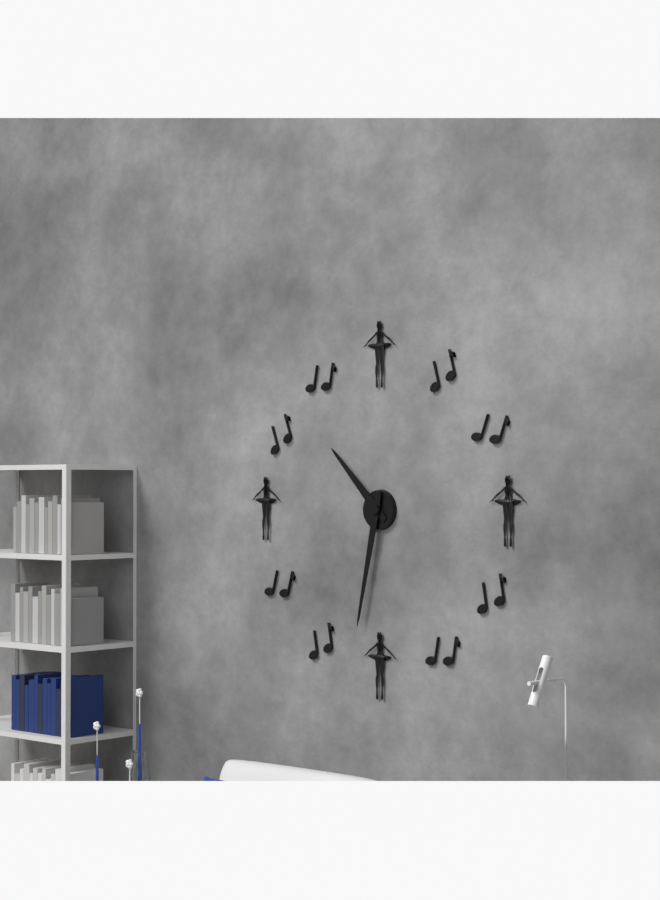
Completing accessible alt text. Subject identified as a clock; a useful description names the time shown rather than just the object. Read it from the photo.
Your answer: 10:32
